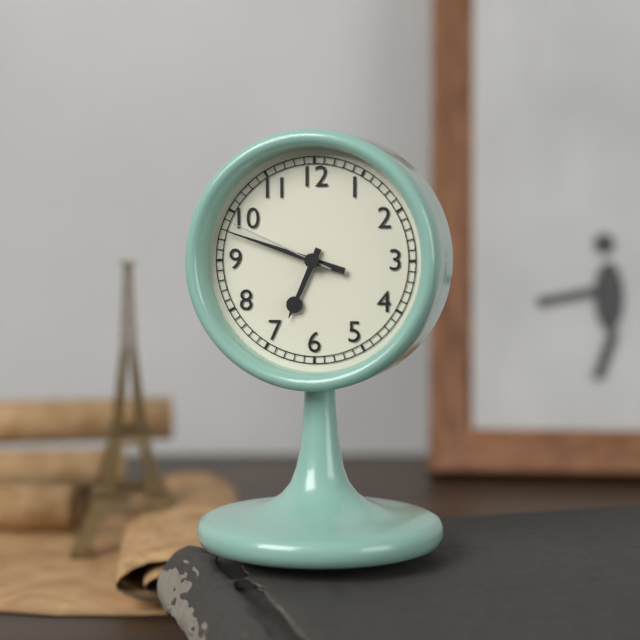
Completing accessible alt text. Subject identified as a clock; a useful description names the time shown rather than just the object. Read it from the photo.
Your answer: 6:48:49
